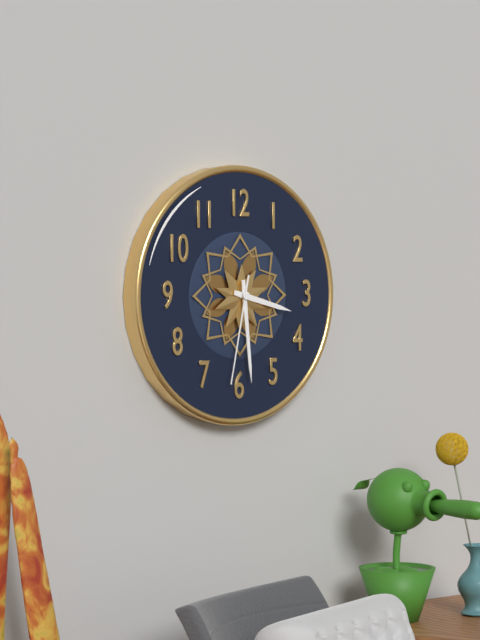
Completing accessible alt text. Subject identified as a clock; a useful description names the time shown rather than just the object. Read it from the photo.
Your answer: 3:29:32
